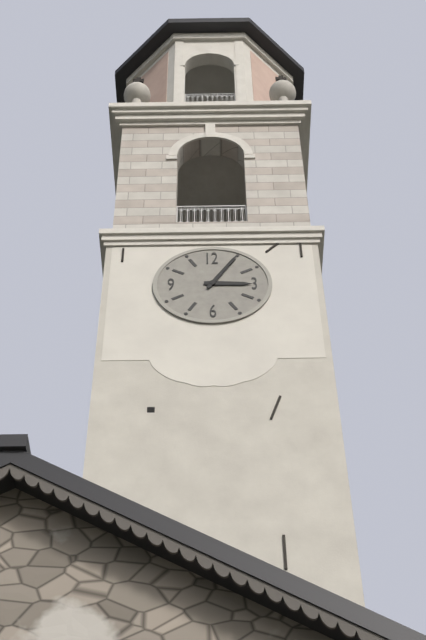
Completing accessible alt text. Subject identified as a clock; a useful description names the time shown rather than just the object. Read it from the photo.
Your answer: 3:05
